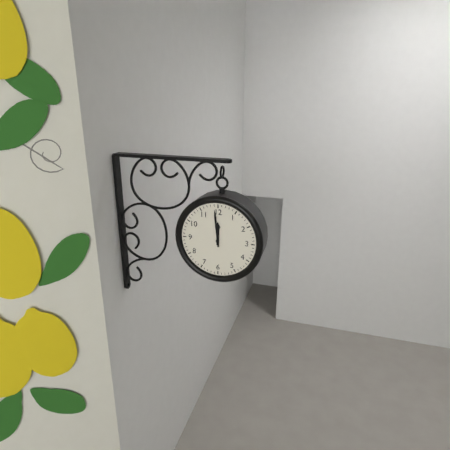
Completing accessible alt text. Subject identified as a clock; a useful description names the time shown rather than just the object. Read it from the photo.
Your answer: 11:59
